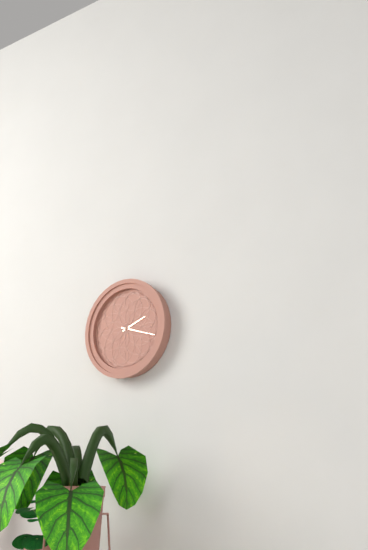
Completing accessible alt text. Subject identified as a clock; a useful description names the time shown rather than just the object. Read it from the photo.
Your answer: 2:18
